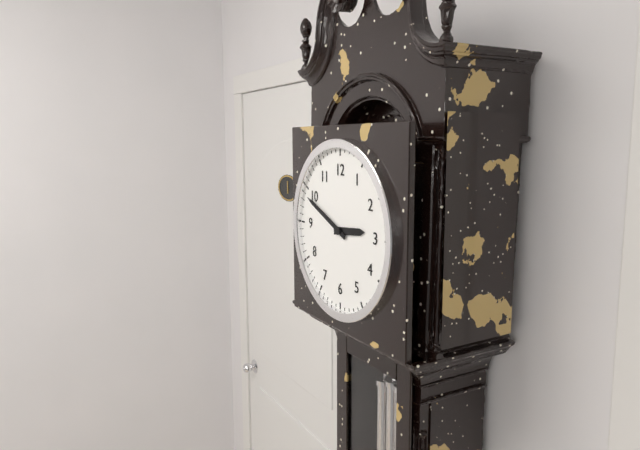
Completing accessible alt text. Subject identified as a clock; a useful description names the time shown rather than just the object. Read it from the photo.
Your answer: 2:49
